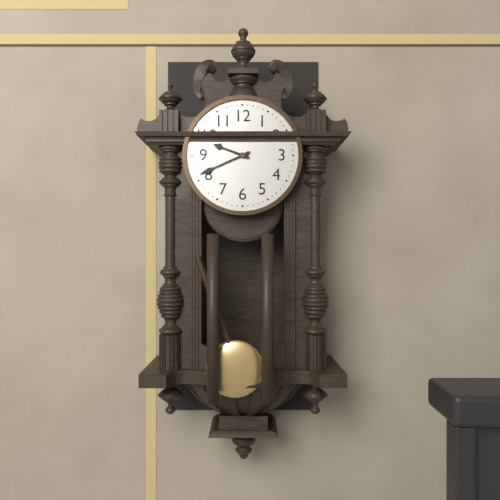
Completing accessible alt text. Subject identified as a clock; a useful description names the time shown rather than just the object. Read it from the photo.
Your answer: 9:41
